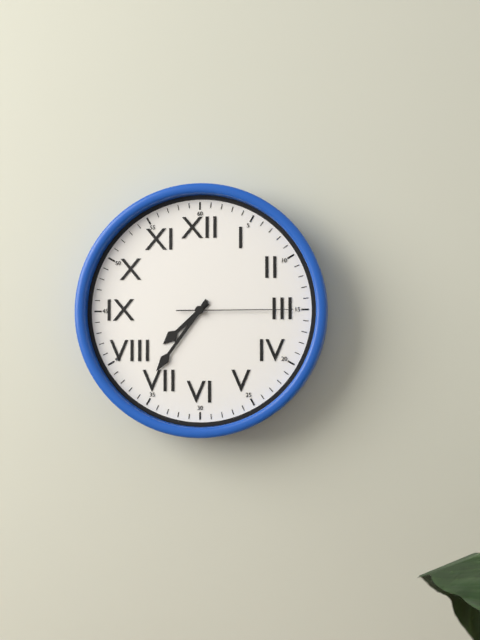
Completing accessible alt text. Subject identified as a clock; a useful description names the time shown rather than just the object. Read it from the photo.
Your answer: 7:36:15
